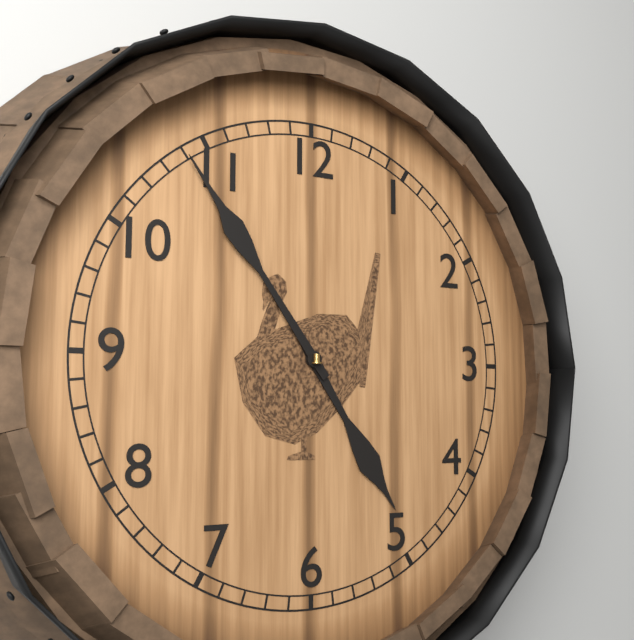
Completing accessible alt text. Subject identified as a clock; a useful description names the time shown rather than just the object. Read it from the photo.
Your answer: 4:54
